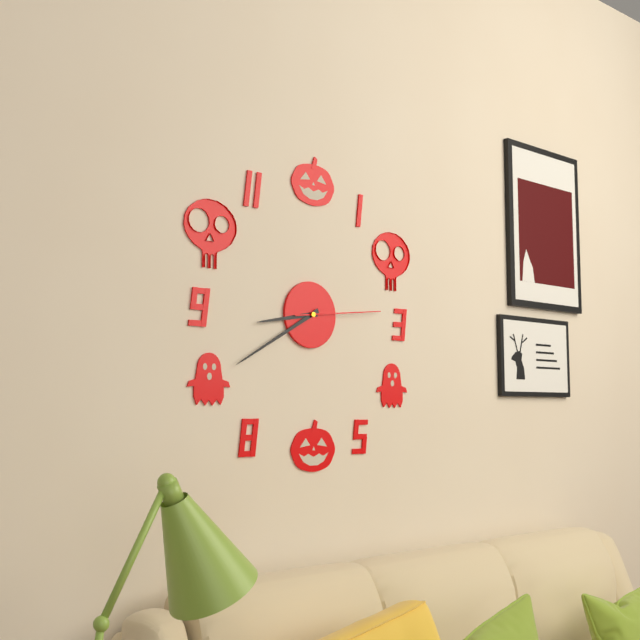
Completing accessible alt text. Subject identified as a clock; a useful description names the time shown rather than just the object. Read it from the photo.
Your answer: 8:40:14
